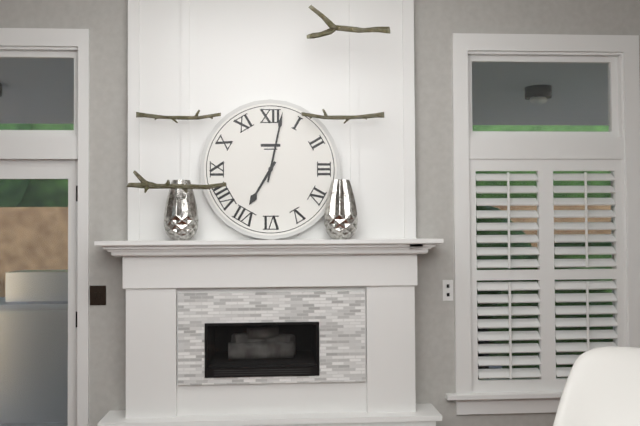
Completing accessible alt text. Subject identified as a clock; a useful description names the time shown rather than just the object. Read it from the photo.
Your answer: 7:02
